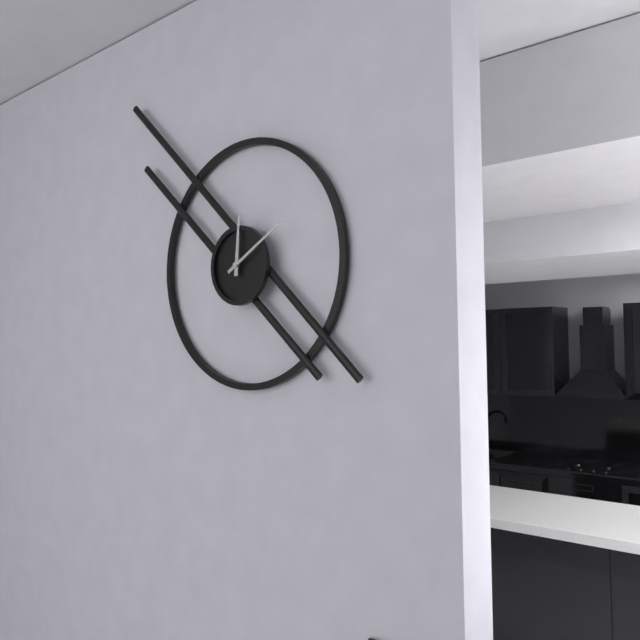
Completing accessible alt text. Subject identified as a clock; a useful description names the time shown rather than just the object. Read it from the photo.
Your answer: 12:10
